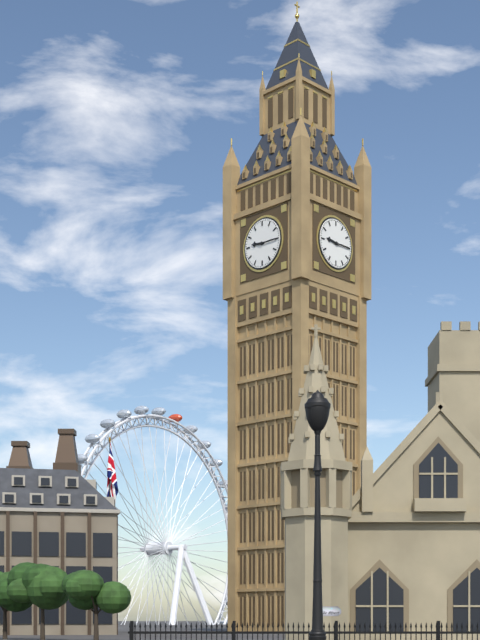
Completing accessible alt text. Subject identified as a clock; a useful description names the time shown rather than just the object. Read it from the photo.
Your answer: 9:15
